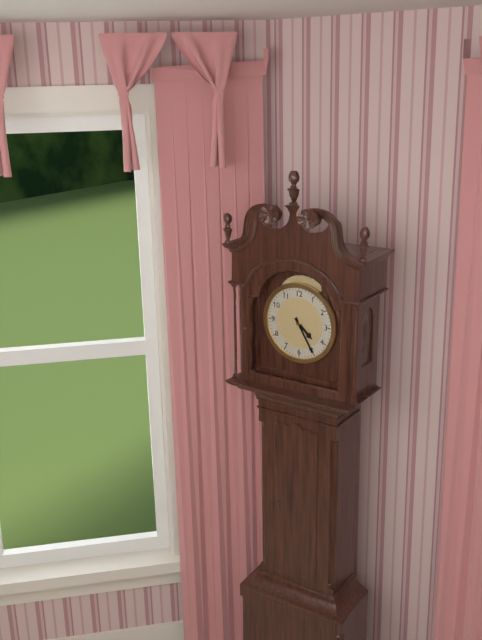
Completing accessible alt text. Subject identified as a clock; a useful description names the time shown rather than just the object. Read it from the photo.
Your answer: 4:25
